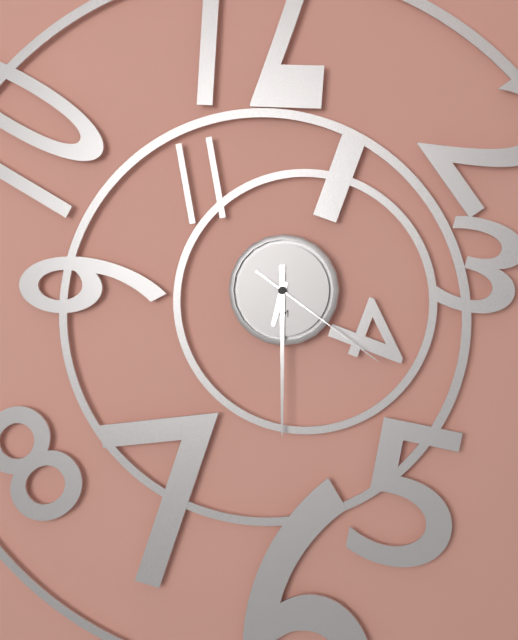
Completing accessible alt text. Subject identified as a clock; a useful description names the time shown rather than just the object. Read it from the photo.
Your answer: 6:30:21
